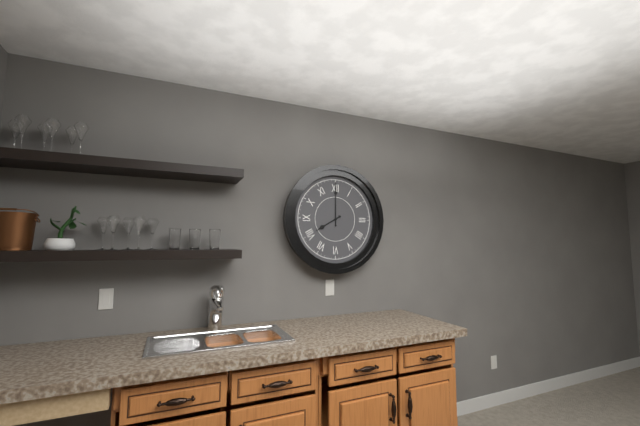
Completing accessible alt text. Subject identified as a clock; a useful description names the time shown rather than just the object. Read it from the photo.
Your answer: 8:00
